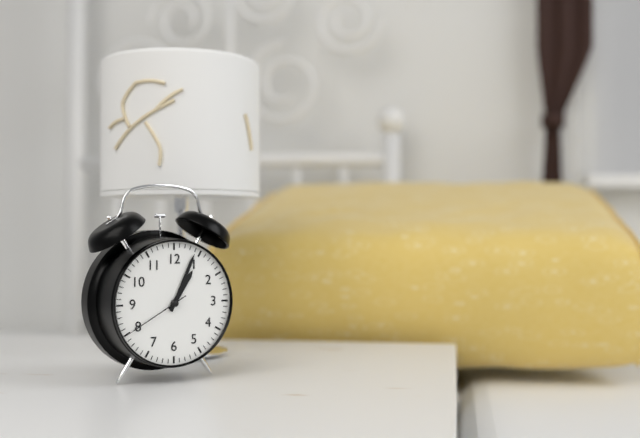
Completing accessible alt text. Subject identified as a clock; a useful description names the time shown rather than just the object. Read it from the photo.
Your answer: 1:04:40
